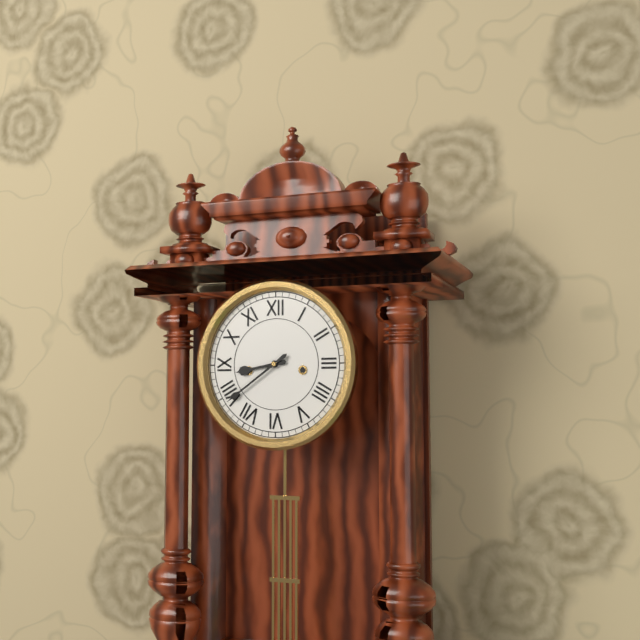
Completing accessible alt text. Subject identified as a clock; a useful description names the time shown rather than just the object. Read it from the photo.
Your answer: 8:39
